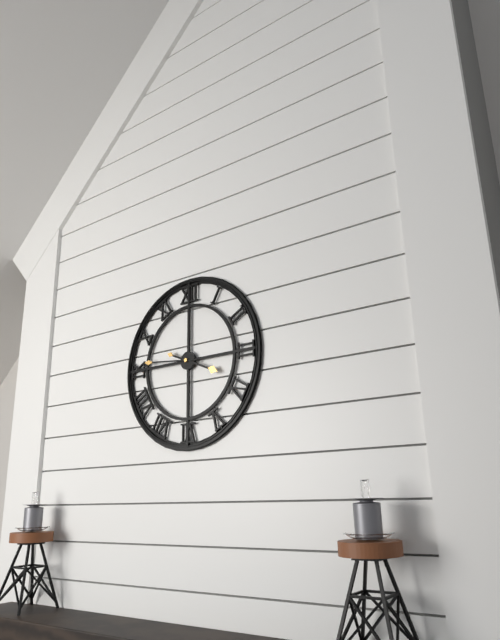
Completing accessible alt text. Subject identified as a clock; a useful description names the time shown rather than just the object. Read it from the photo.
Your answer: 3:46
